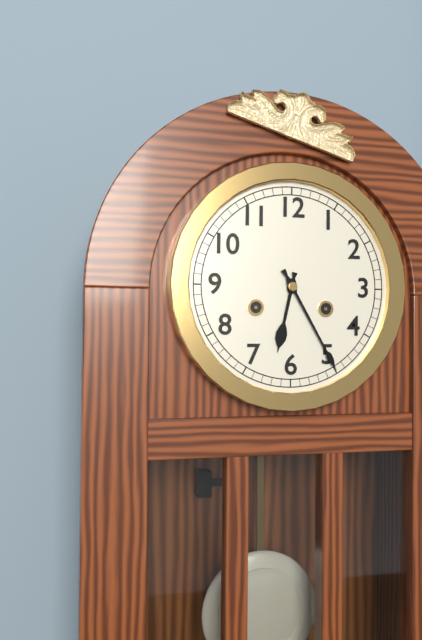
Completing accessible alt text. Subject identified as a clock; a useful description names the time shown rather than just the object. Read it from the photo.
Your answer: 6:25
